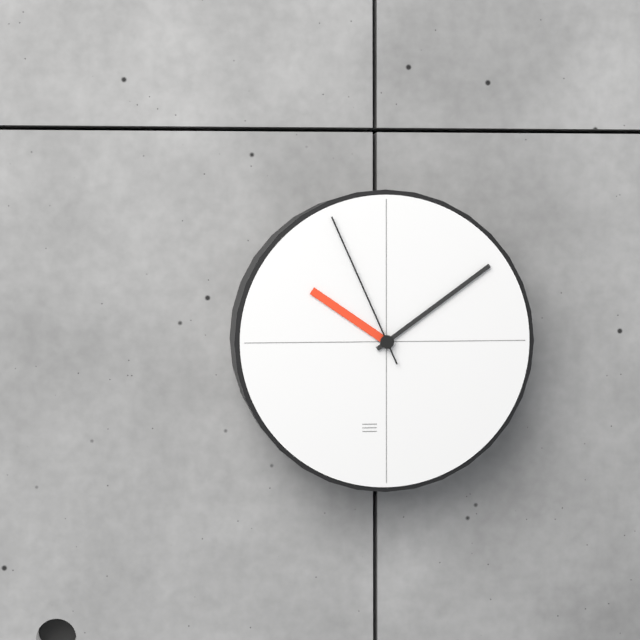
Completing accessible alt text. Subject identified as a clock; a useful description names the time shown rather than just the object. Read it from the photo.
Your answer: 10:09:56
